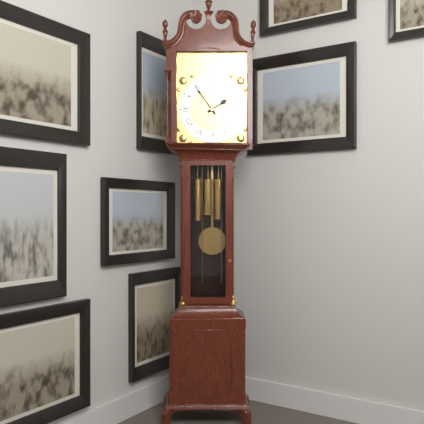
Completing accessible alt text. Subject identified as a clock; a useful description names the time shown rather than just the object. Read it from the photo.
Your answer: 1:54
